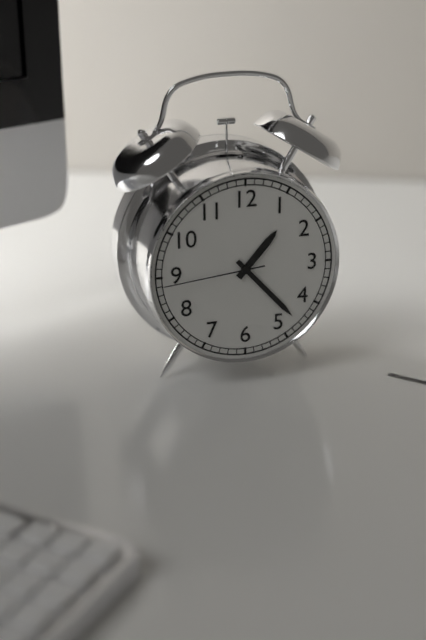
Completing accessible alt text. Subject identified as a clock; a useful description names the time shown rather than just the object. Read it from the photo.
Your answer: 1:23:44
